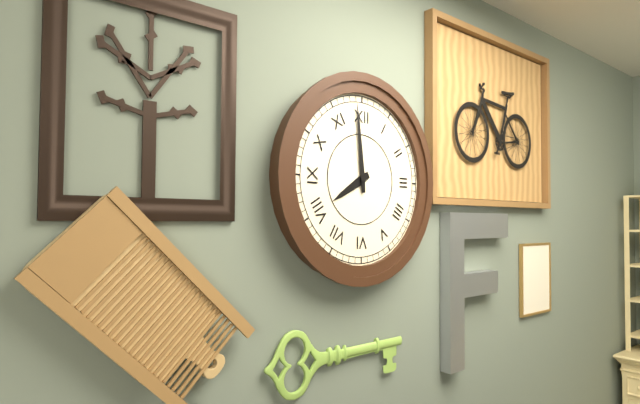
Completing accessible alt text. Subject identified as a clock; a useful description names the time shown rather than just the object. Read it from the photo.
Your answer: 7:59
